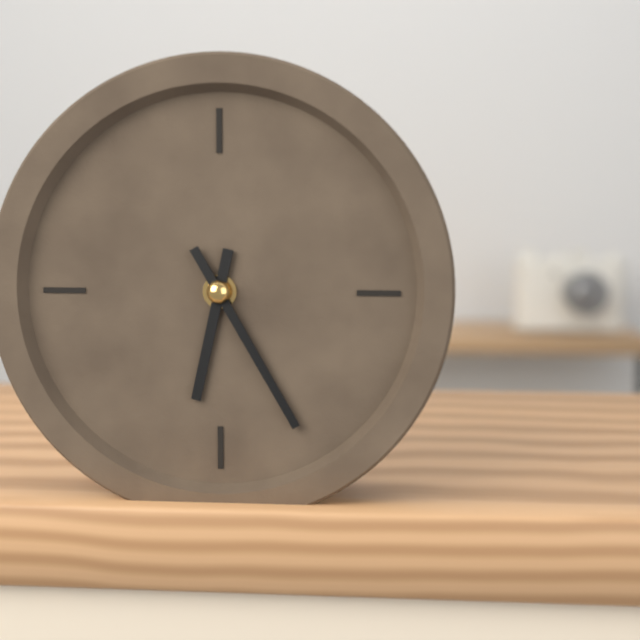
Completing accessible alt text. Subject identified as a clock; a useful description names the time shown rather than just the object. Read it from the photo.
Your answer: 6:25
